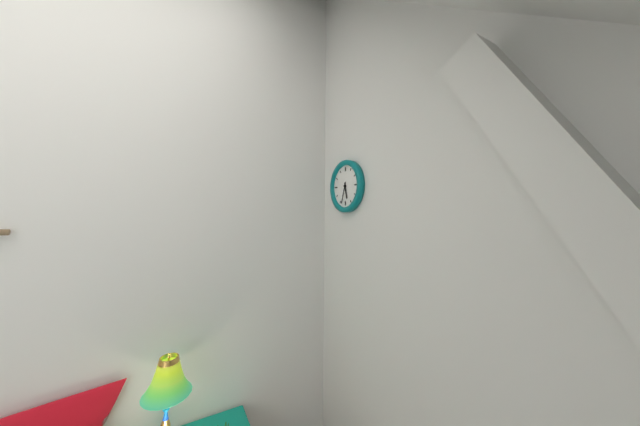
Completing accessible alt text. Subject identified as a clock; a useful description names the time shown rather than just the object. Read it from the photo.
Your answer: 5:33
